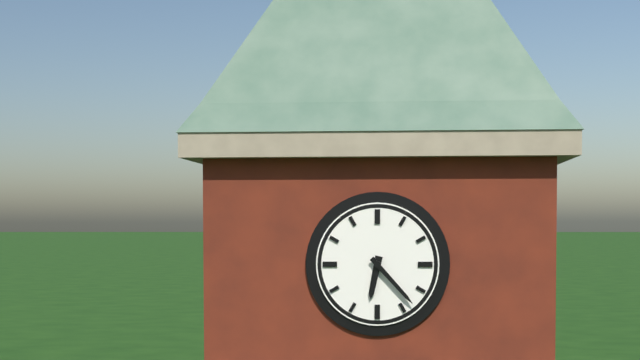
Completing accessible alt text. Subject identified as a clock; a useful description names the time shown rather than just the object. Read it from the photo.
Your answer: 6:23
